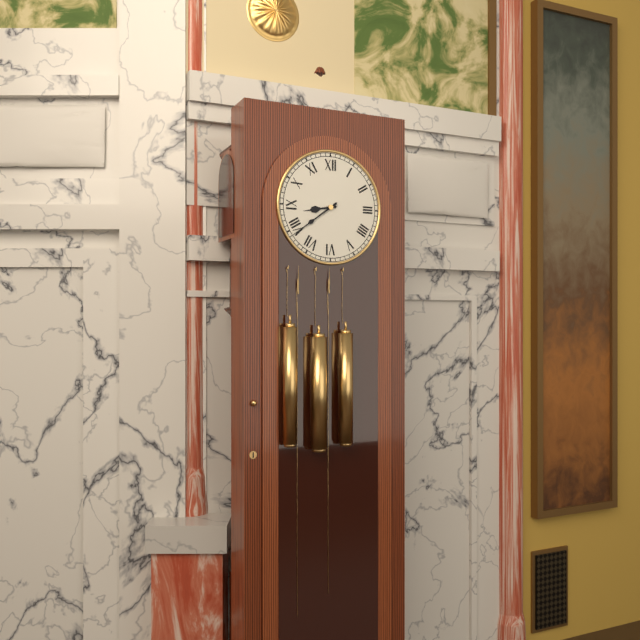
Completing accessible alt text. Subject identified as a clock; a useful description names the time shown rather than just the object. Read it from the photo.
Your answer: 8:39
